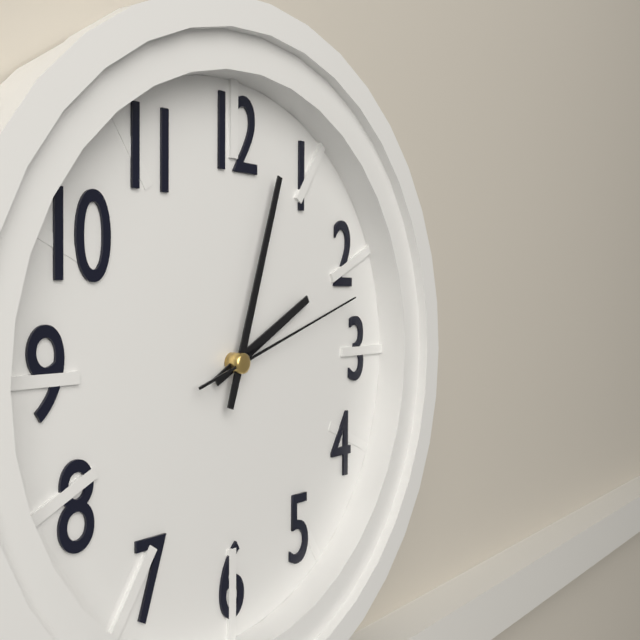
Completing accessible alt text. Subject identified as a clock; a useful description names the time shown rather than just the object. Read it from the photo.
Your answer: 2:03:12
